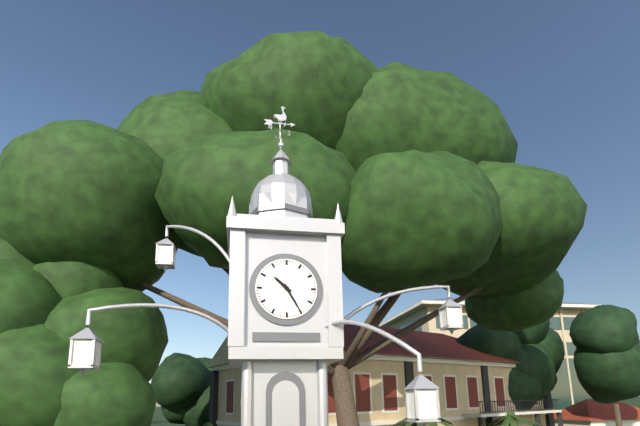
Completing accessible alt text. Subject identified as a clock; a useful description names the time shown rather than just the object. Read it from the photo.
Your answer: 10:25
